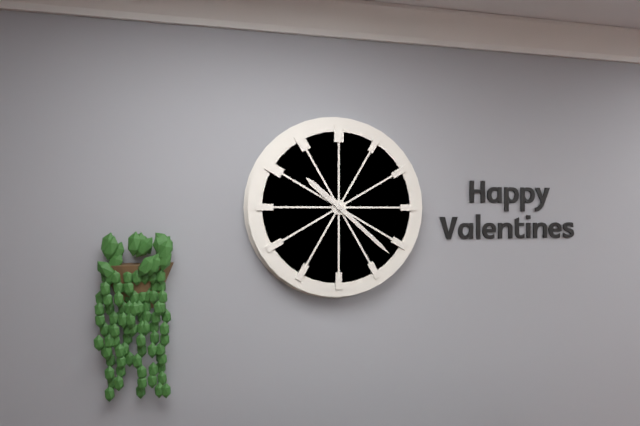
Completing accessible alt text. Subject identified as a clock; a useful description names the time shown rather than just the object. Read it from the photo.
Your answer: 10:22
